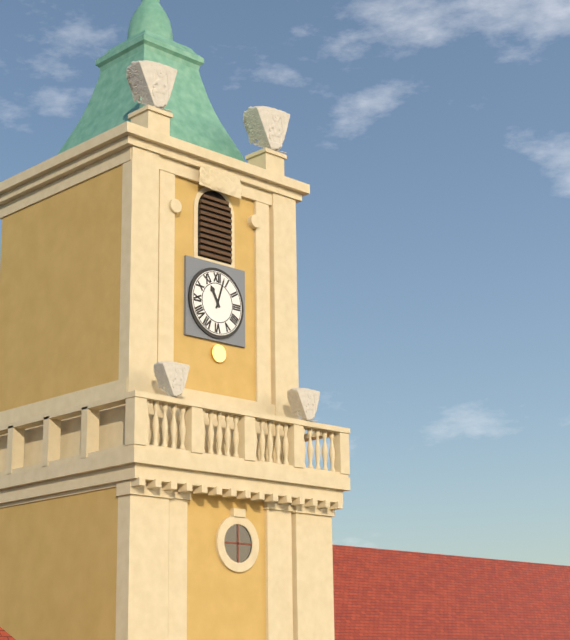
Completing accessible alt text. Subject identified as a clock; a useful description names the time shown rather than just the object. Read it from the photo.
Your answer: 11:03
